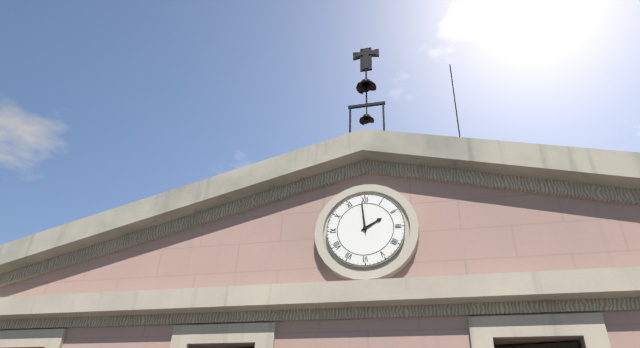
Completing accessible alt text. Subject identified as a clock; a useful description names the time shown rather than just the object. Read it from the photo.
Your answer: 1:59
